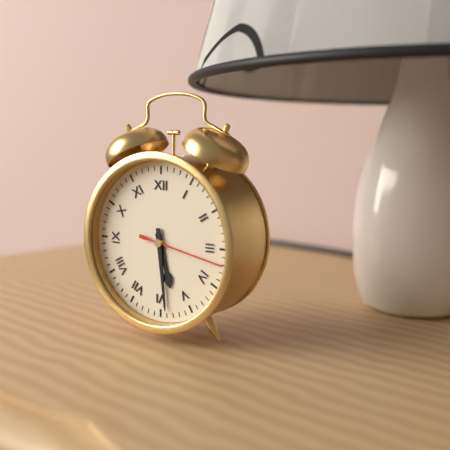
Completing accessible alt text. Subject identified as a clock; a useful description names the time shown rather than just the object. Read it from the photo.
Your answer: 5:29:17
